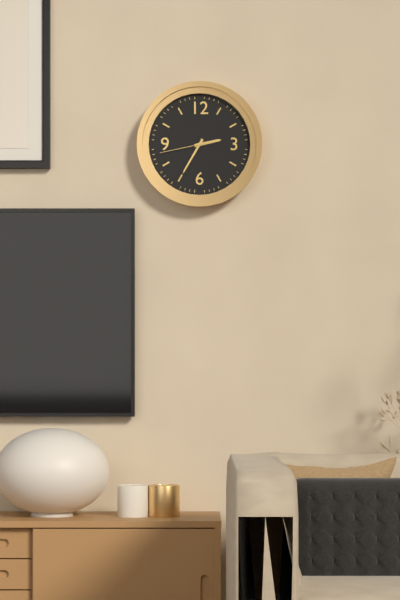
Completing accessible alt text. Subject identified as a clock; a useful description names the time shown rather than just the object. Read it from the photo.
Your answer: 2:35:43
